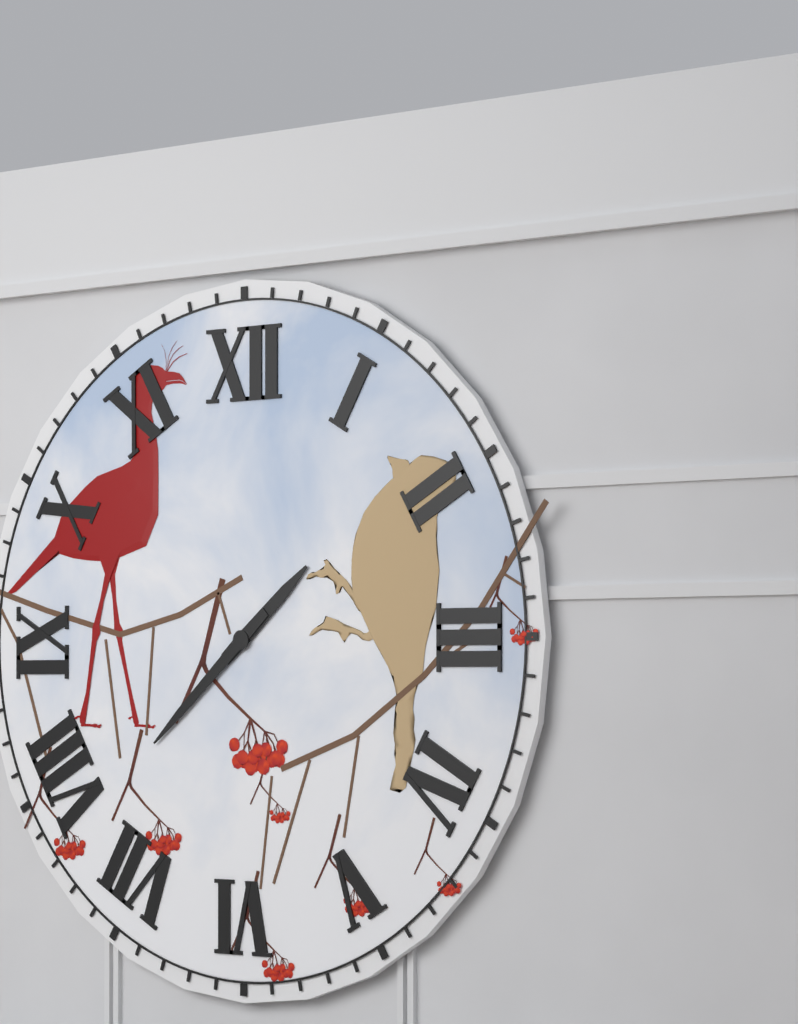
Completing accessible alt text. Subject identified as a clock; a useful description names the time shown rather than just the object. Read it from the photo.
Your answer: 1:38
